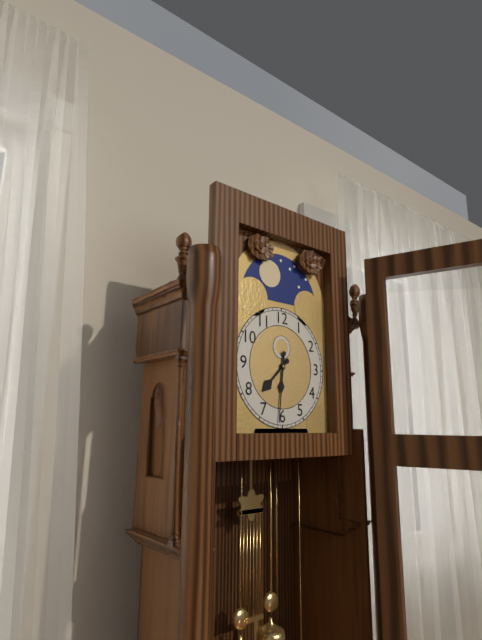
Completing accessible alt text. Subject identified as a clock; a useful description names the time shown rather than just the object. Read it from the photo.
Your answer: 7:31
